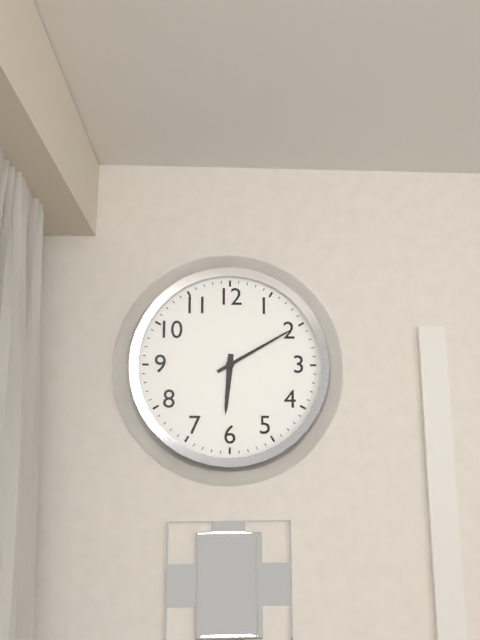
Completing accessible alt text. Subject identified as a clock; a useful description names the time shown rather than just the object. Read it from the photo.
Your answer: 6:10
